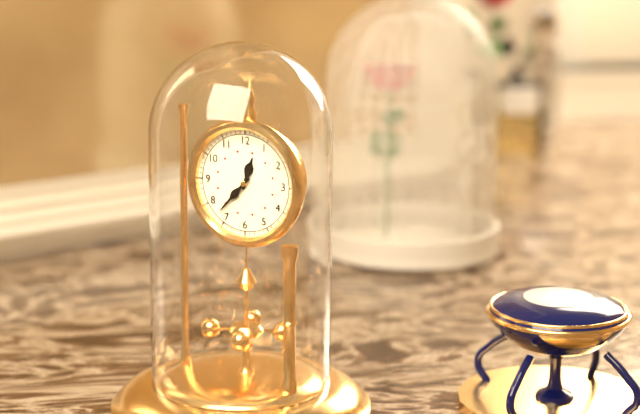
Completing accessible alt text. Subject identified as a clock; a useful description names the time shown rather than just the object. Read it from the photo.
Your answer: 12:37
